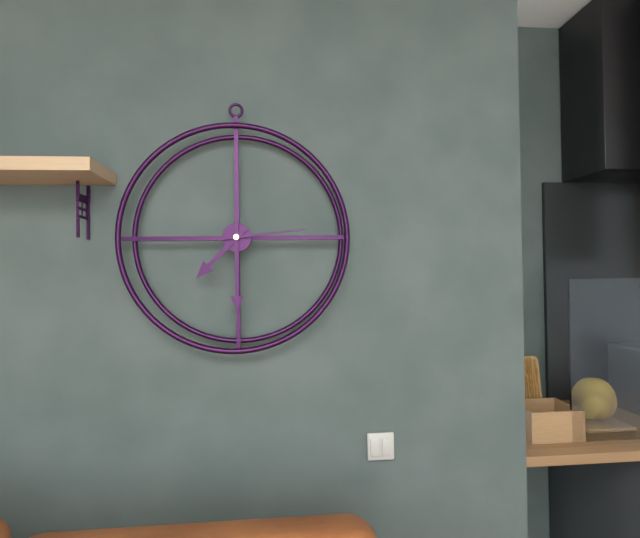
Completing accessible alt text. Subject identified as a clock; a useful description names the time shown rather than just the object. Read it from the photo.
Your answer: 7:30:14
